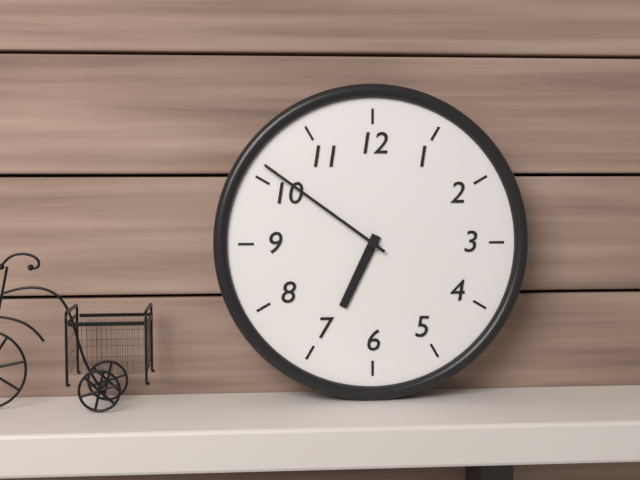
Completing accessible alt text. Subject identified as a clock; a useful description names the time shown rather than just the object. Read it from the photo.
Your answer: 6:51
